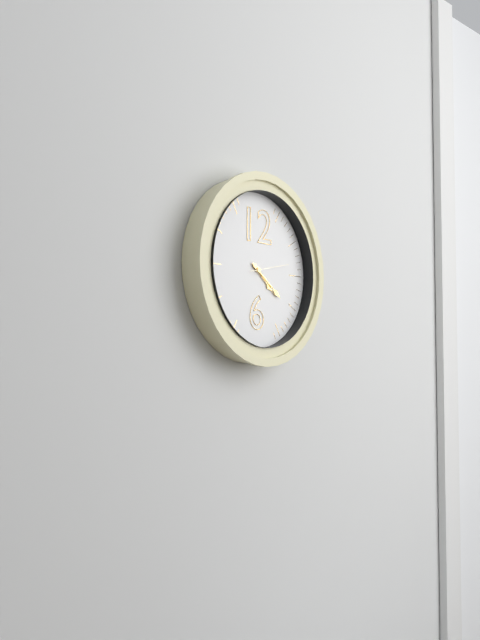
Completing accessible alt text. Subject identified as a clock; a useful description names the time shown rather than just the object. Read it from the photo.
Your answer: 4:21
